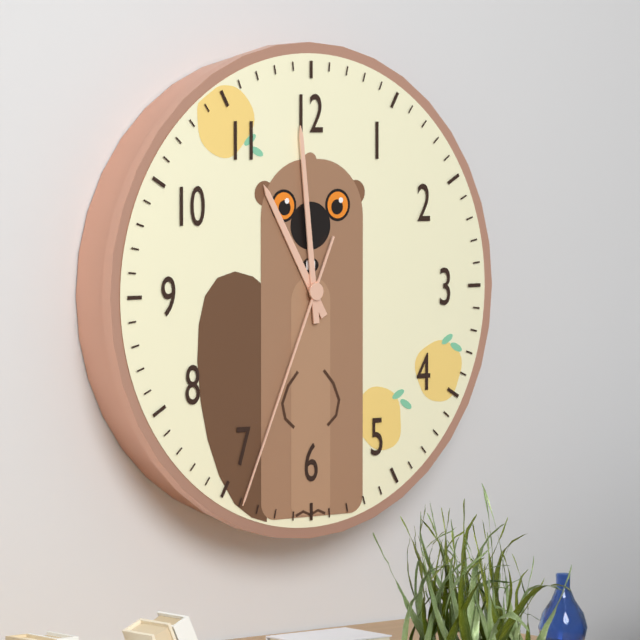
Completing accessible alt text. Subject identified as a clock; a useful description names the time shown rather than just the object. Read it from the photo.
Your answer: 10:59:34
